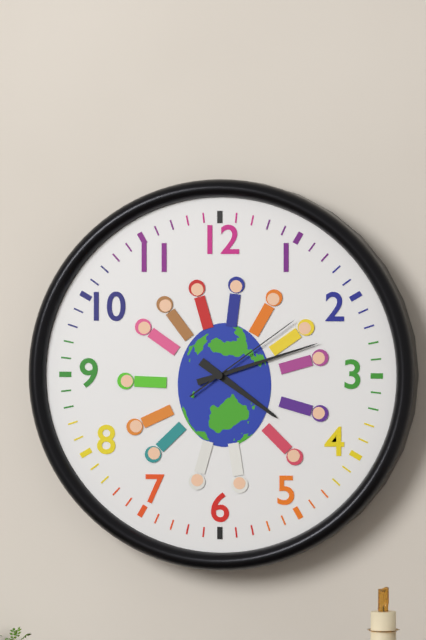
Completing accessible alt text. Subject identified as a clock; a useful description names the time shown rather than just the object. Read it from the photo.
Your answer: 4:12:09
